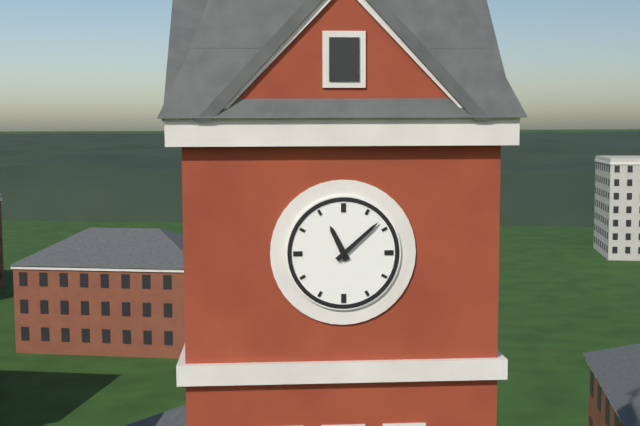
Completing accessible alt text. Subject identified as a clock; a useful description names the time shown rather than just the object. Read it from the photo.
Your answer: 11:08
